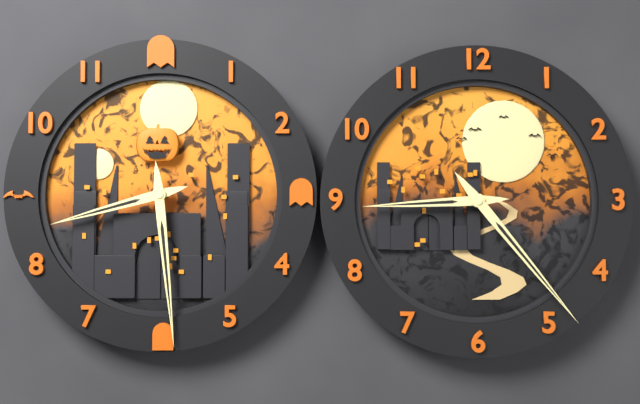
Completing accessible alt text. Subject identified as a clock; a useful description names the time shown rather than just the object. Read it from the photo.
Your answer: 8:29
